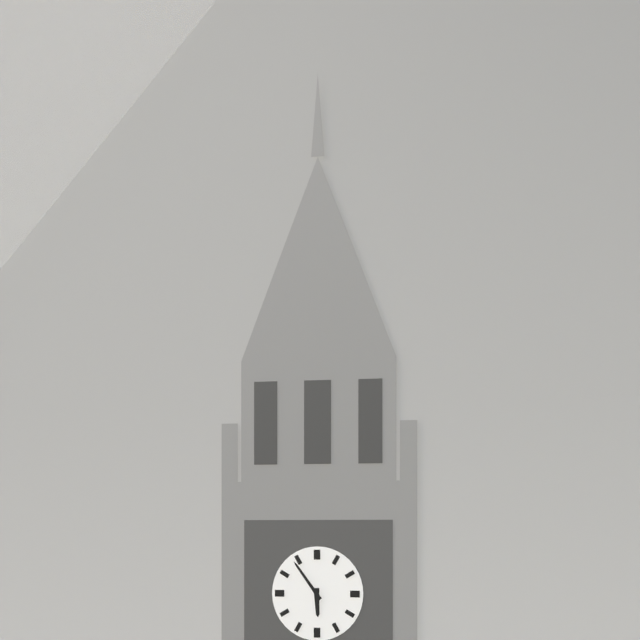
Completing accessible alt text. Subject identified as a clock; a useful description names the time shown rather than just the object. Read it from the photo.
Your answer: 5:54
